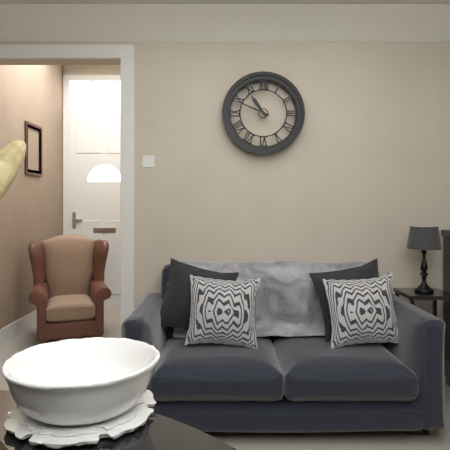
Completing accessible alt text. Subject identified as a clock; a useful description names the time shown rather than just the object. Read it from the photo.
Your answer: 10:49
